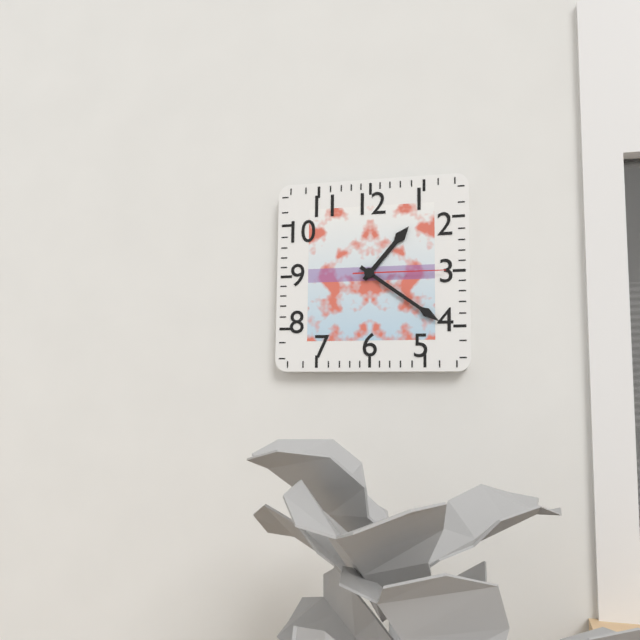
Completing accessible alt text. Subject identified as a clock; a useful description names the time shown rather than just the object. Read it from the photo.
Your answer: 1:21:15
